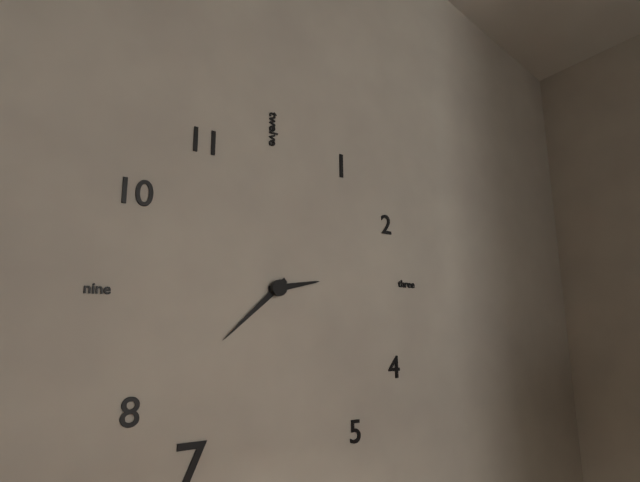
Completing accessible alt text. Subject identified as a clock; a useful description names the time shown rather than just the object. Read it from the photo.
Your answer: 2:38
